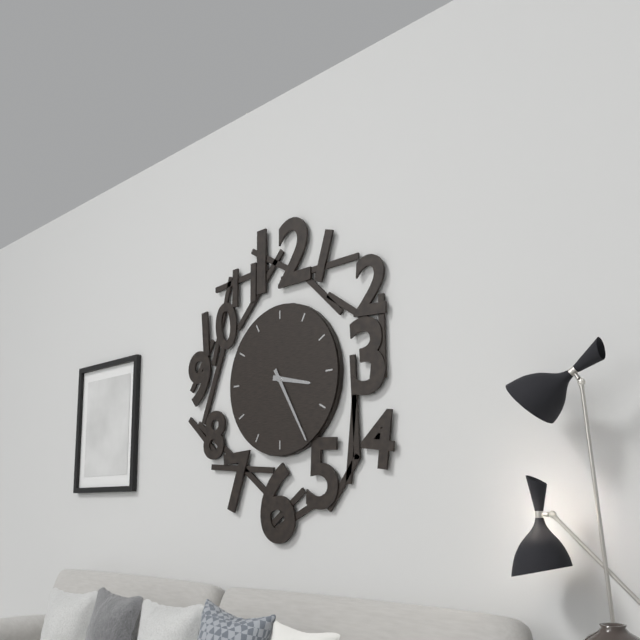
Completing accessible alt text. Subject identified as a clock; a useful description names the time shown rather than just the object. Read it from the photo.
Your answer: 3:25
